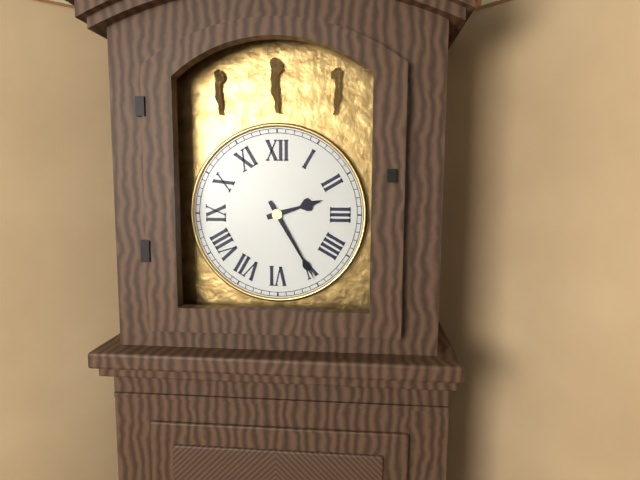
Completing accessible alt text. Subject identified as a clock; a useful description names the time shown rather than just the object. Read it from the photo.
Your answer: 2:25
